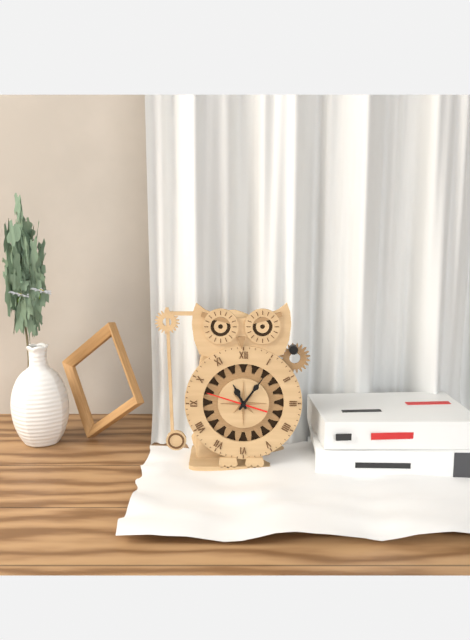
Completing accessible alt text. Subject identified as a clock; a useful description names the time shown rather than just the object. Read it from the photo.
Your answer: 11:06
